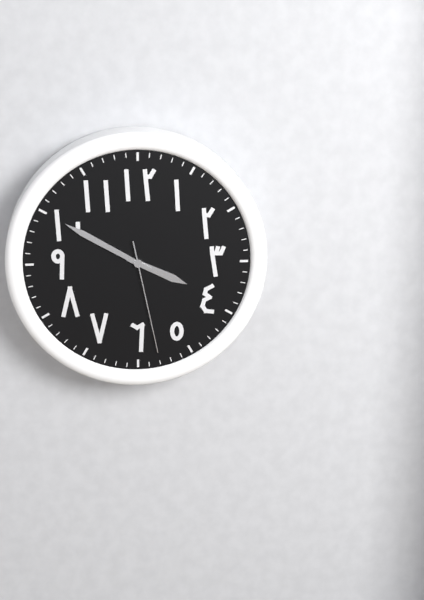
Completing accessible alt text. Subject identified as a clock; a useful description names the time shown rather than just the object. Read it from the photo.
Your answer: 3:50:28
